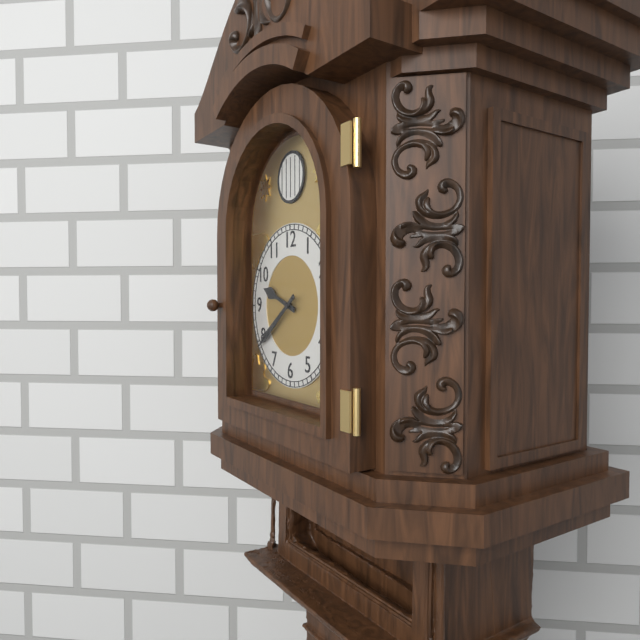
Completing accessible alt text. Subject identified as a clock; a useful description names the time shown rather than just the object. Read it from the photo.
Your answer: 9:39
